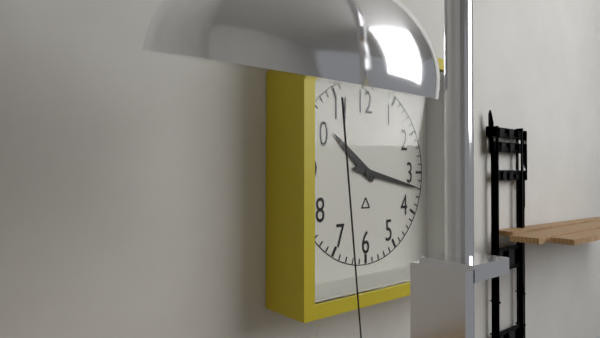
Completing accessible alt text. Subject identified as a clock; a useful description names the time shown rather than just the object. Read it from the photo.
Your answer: 10:17
